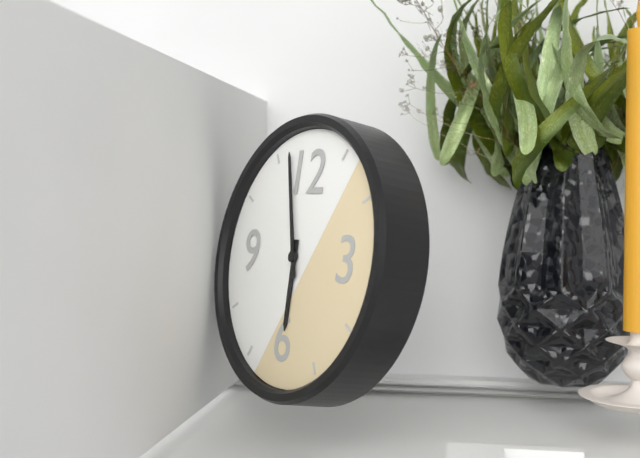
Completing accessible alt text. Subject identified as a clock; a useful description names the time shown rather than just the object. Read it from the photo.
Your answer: 5:57
